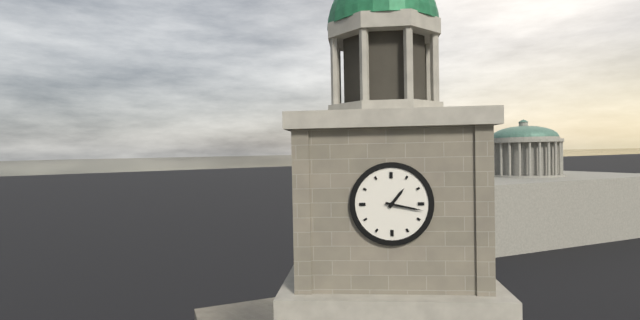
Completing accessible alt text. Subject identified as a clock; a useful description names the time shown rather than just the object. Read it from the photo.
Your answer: 1:17
